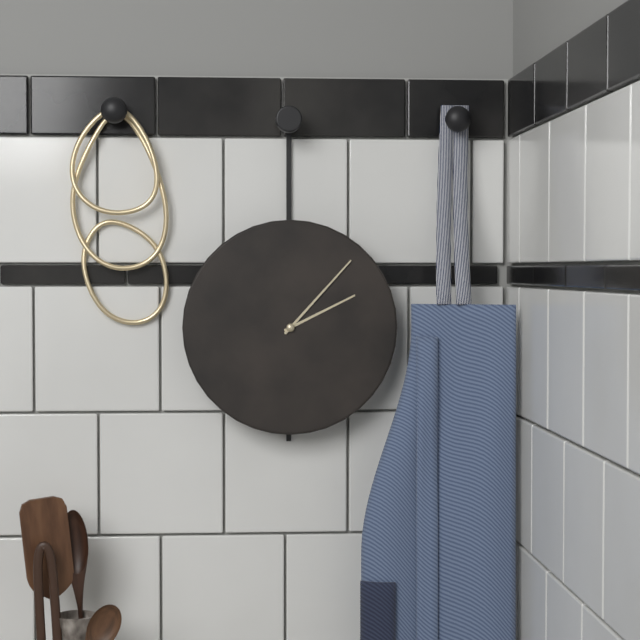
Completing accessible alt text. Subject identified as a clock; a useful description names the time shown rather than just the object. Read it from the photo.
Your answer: 2:07
